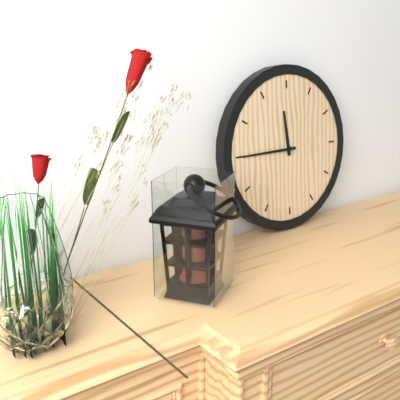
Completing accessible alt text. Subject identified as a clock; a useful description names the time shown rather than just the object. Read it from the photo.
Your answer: 11:45
